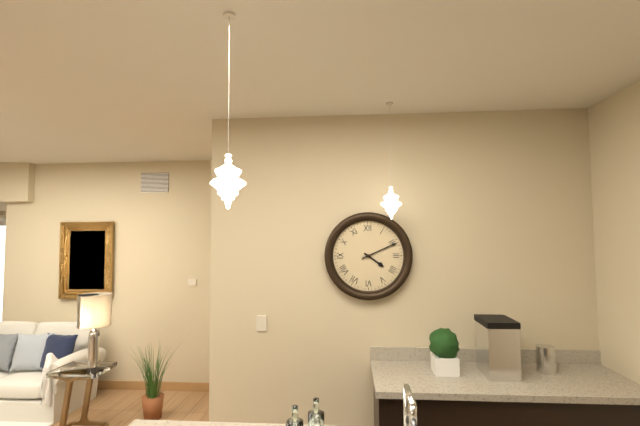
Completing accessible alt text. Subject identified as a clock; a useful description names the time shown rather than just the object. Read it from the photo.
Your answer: 4:11
